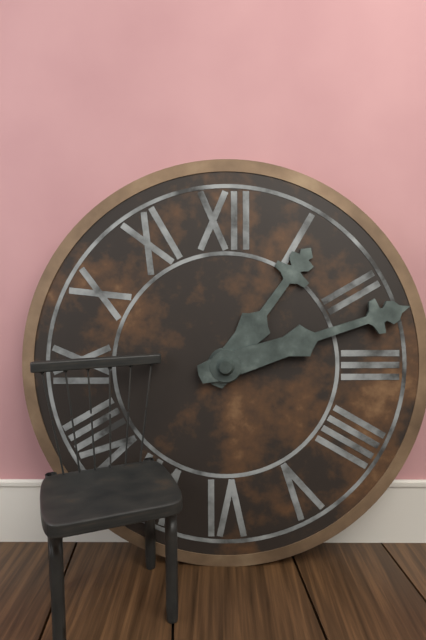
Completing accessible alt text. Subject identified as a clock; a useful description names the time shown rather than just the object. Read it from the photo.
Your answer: 1:12
